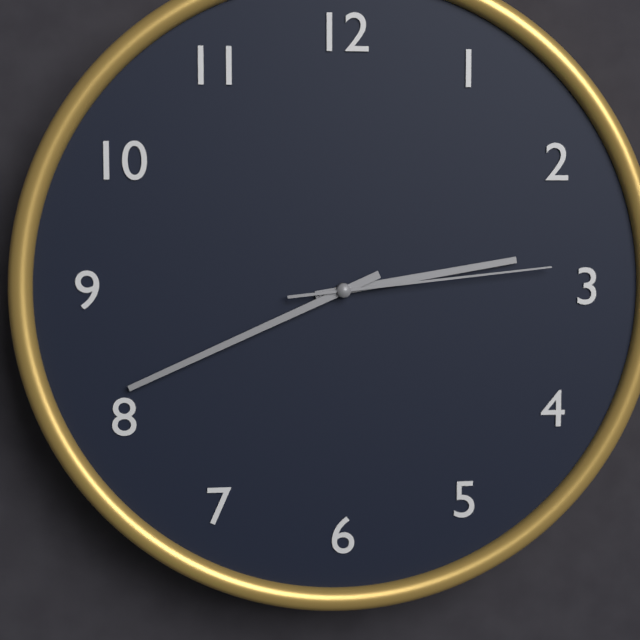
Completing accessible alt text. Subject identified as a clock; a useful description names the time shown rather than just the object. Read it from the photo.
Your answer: 2:41:14
